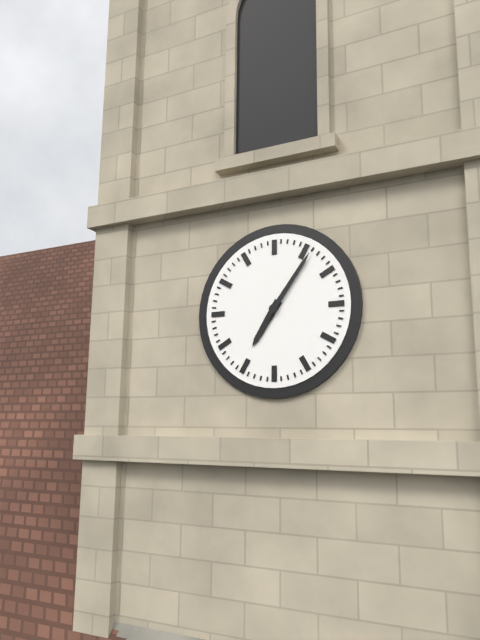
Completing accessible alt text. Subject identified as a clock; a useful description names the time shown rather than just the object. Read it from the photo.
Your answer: 7:06
